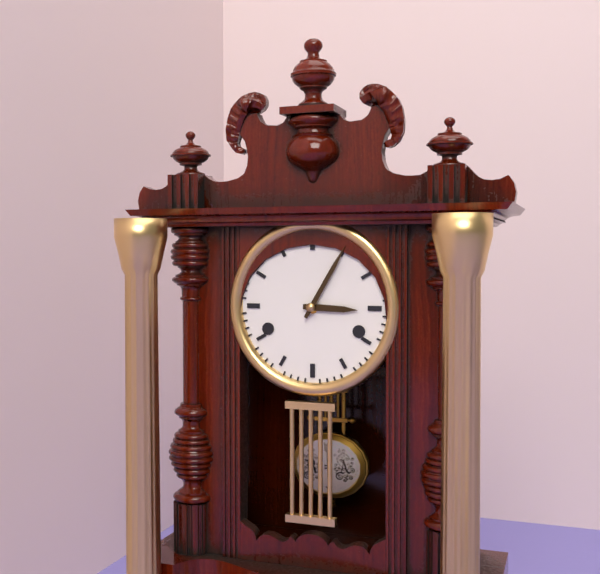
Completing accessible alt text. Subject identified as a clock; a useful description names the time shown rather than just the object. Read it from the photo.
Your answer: 3:05
